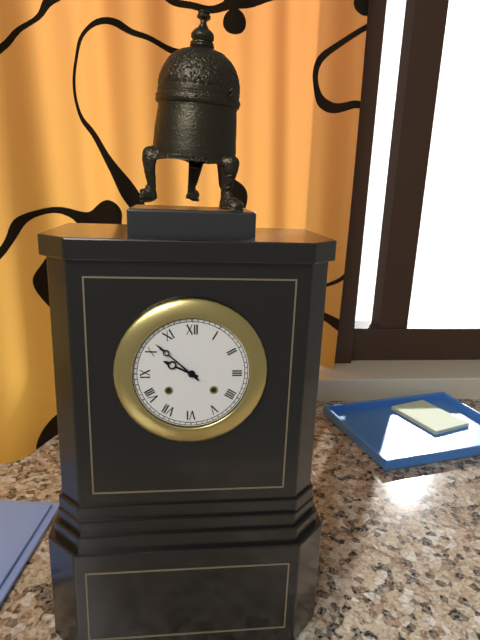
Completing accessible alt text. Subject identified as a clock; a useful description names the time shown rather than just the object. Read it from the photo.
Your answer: 9:52
